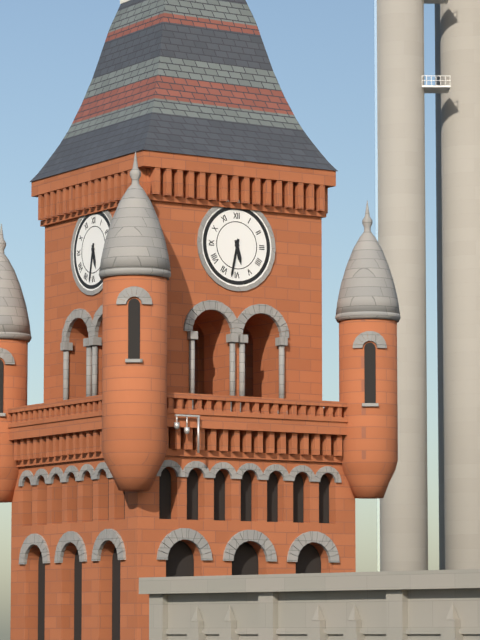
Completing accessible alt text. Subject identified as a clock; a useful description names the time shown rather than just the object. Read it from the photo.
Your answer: 5:32
